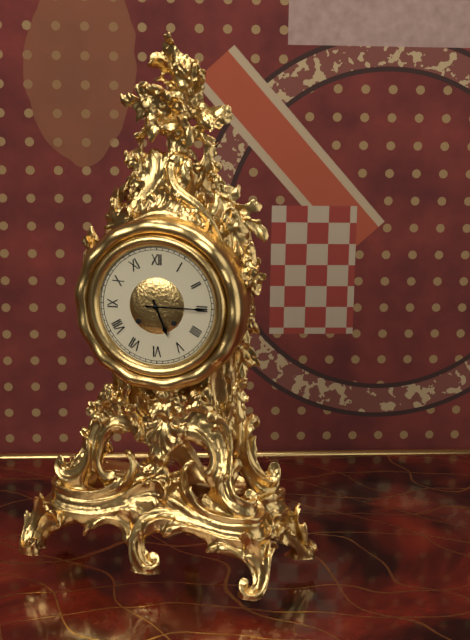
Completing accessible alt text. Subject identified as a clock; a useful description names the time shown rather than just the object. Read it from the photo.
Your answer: 5:15
